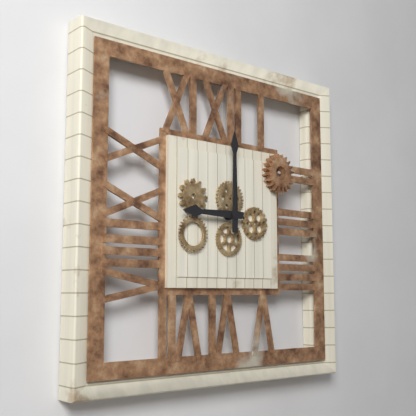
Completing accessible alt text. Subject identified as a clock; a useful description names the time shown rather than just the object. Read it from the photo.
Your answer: 9:00
